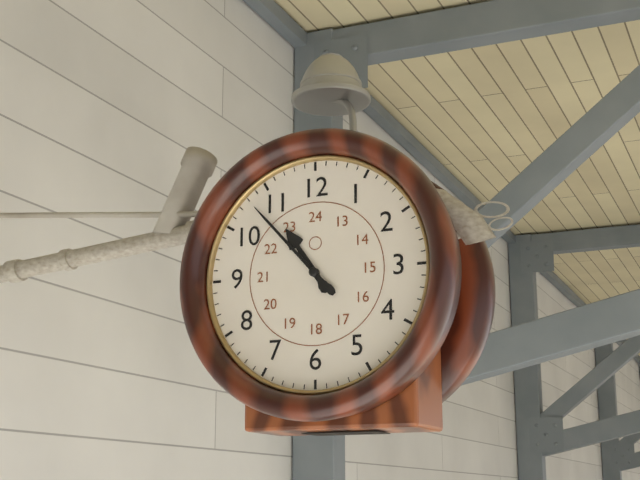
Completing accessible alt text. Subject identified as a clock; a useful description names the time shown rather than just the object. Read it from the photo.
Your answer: 10:53
